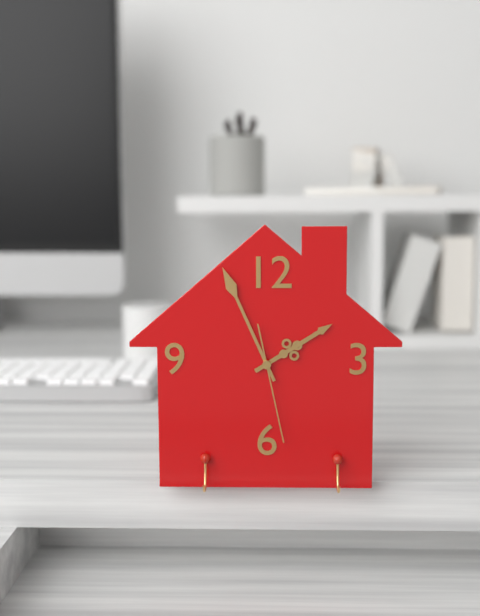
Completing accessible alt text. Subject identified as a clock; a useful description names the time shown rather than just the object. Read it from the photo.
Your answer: 1:56:28
